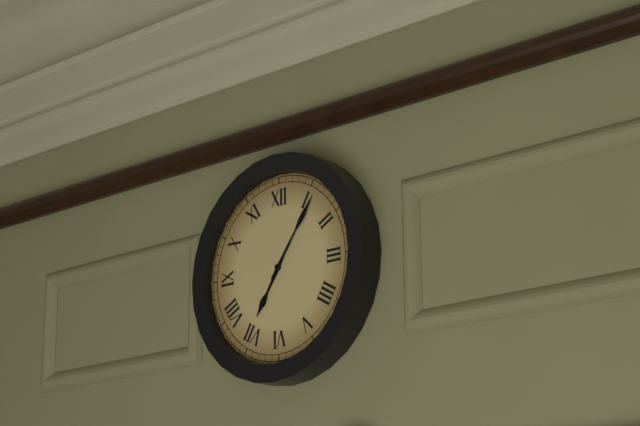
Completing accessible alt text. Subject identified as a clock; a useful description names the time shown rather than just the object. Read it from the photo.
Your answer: 7:06
